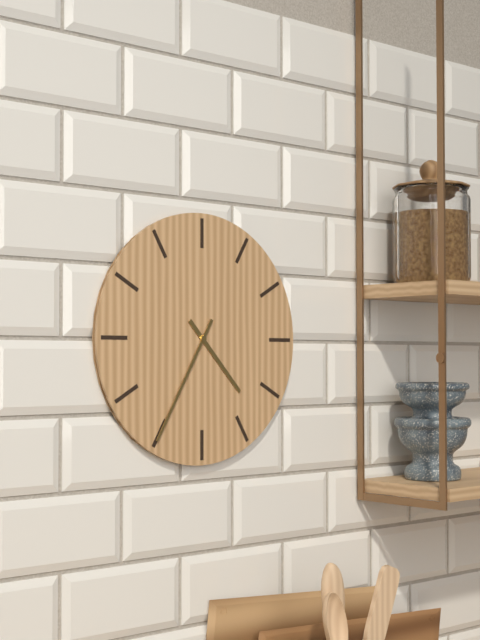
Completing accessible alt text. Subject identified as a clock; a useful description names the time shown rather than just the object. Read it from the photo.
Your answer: 4:35
